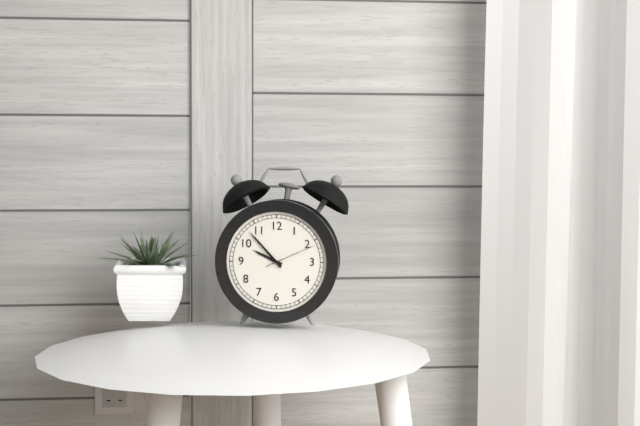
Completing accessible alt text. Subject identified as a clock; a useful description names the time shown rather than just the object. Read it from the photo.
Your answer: 9:53:11
